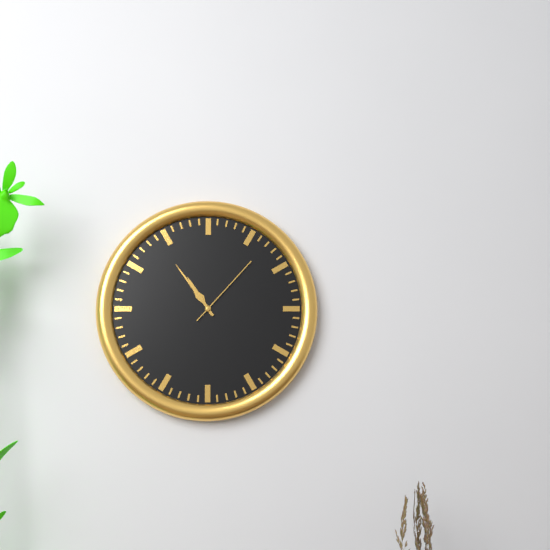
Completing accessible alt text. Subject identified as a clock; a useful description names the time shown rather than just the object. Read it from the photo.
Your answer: 10:54:07
